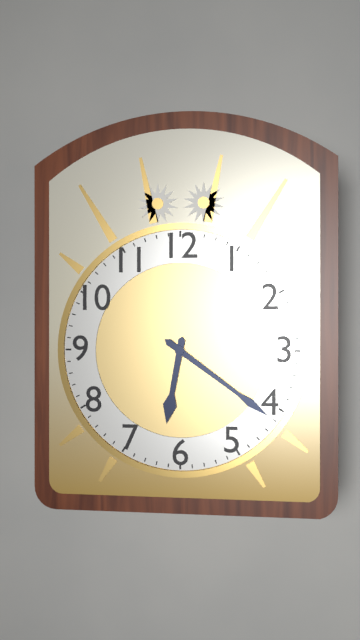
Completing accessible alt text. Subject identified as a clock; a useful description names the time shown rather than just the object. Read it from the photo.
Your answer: 6:21
